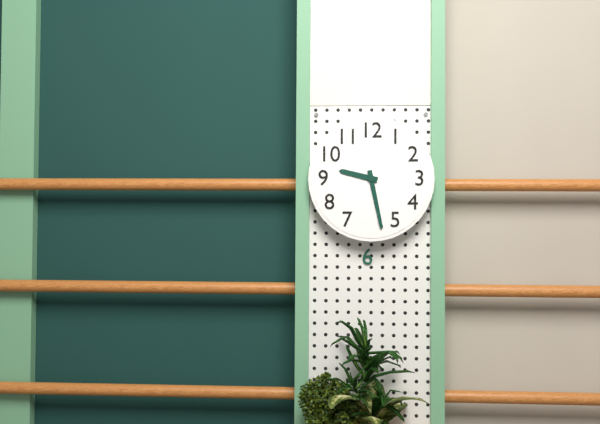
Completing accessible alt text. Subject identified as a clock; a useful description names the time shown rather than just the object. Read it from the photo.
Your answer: 9:28
